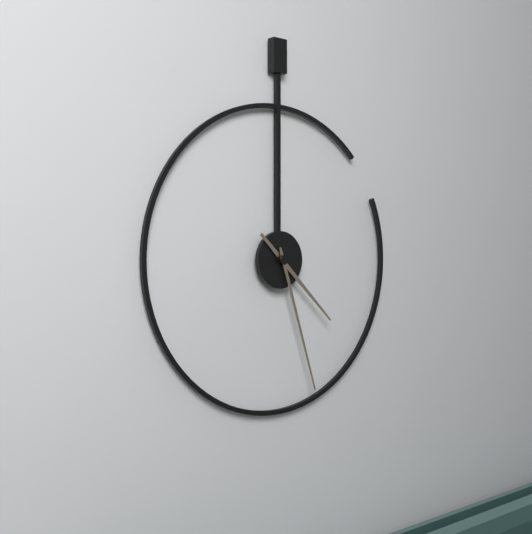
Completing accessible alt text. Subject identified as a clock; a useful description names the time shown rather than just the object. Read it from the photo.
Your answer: 4:27
